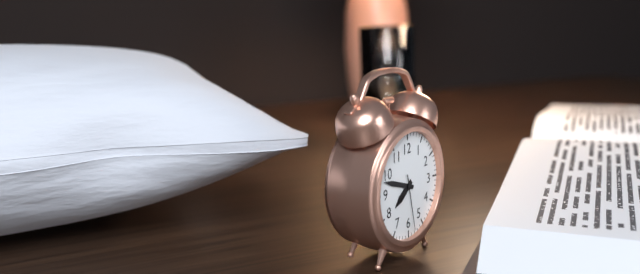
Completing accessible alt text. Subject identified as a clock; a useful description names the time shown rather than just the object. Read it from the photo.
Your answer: 7:48:28
